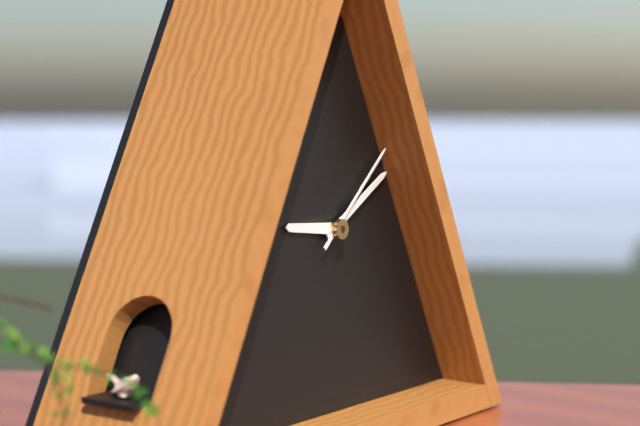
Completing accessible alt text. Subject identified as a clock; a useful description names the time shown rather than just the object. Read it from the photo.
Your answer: 9:10:08
